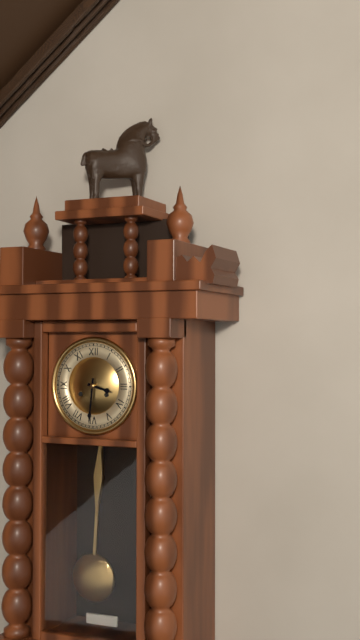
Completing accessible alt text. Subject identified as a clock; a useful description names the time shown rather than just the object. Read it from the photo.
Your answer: 3:31
